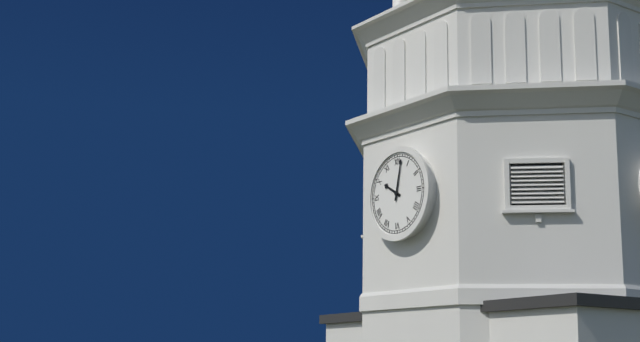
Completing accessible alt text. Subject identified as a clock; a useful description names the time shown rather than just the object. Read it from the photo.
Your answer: 10:02
